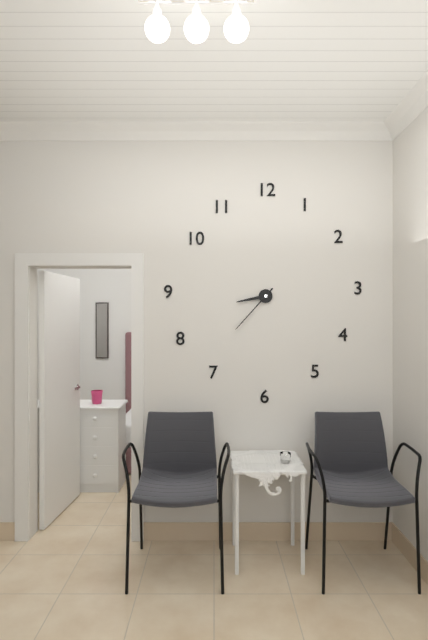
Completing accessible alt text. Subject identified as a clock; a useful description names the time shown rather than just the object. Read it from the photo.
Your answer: 8:37
